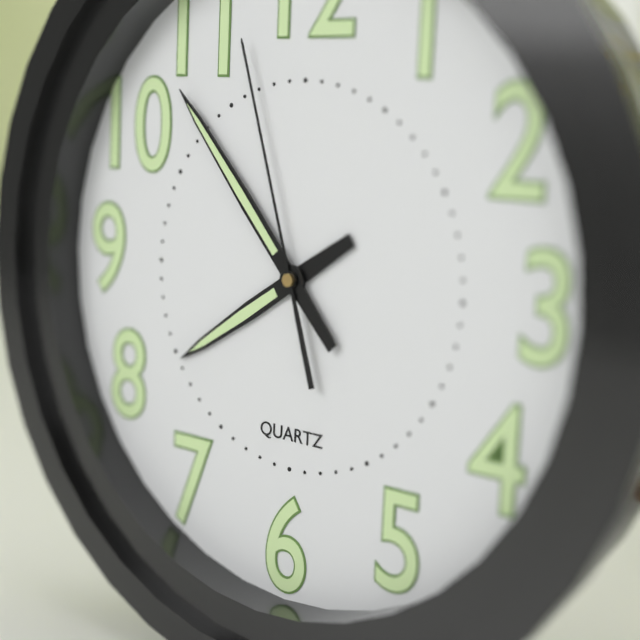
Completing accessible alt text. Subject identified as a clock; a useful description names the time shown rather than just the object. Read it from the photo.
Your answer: 7:53:57
